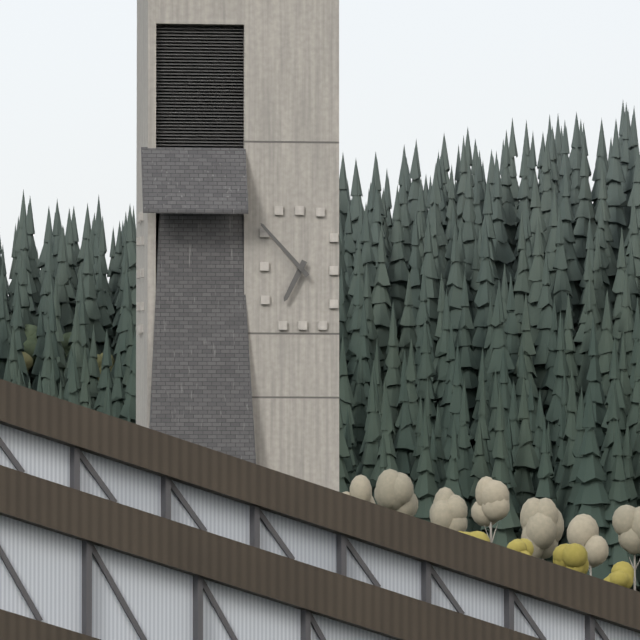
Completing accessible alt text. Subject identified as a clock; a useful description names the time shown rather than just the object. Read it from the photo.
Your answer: 6:53
